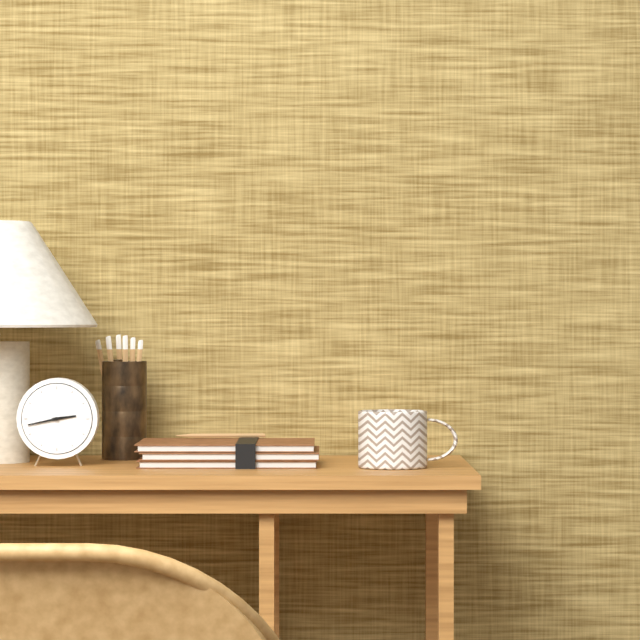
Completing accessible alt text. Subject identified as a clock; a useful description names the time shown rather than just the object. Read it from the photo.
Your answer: 2:43
